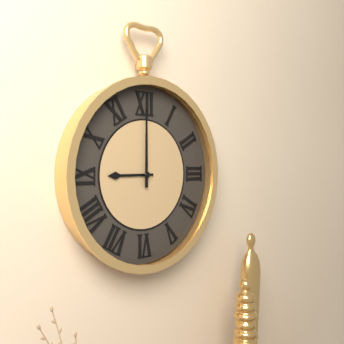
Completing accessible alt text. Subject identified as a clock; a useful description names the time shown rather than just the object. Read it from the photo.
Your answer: 9:00
